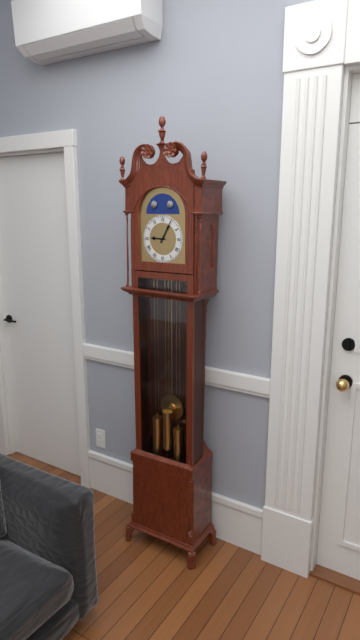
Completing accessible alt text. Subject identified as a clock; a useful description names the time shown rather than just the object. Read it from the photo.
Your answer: 9:05
